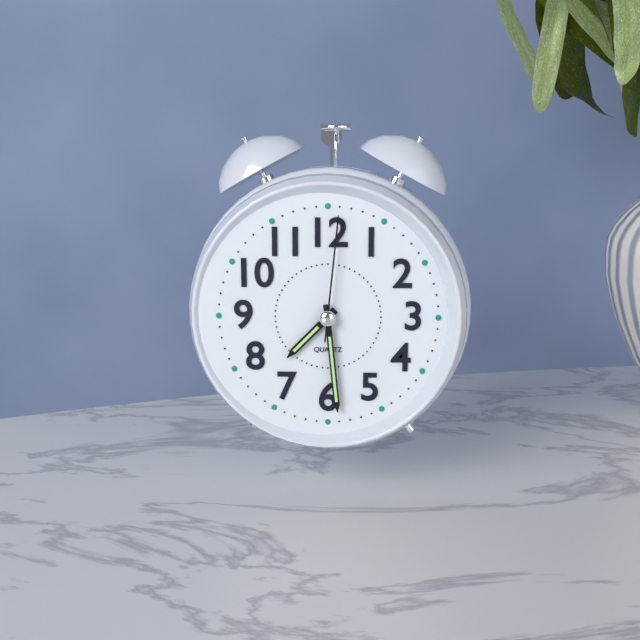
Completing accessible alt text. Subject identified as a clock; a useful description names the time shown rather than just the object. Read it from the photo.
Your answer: 7:29:01
